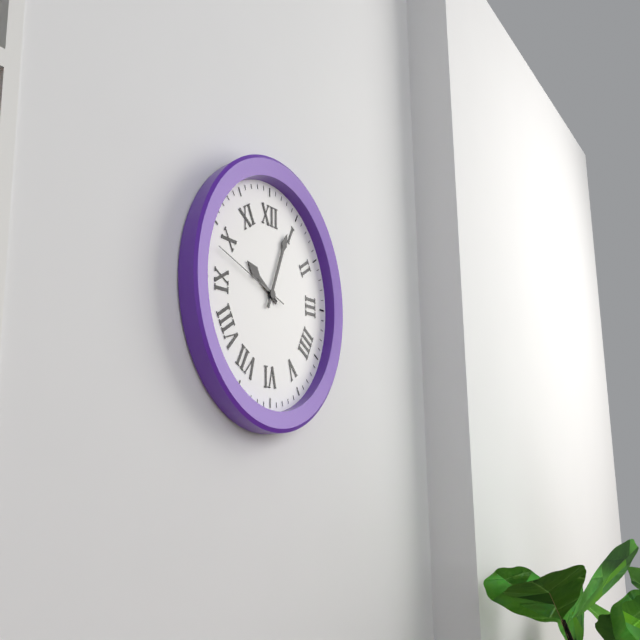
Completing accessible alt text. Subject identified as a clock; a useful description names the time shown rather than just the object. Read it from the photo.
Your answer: 10:04:48
